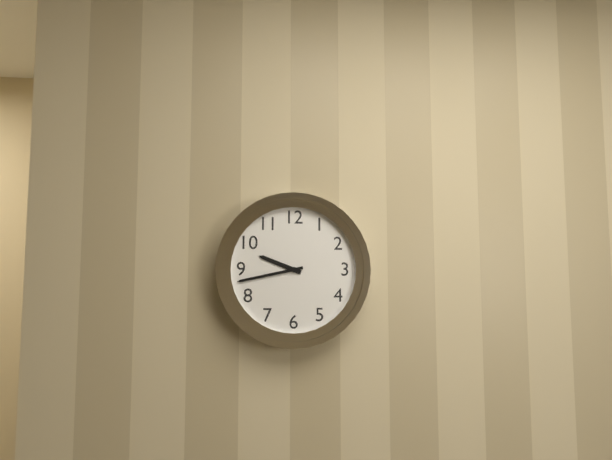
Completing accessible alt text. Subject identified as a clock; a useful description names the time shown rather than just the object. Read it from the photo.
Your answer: 9:43
